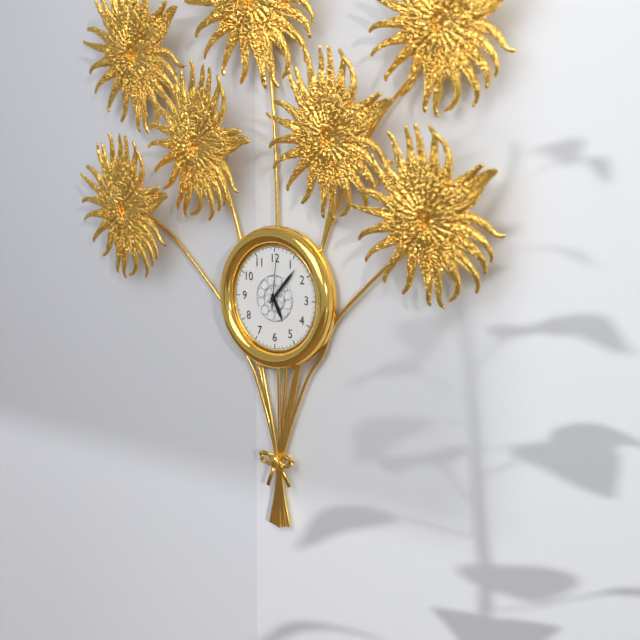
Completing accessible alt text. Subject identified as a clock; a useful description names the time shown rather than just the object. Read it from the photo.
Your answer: 5:07:01
